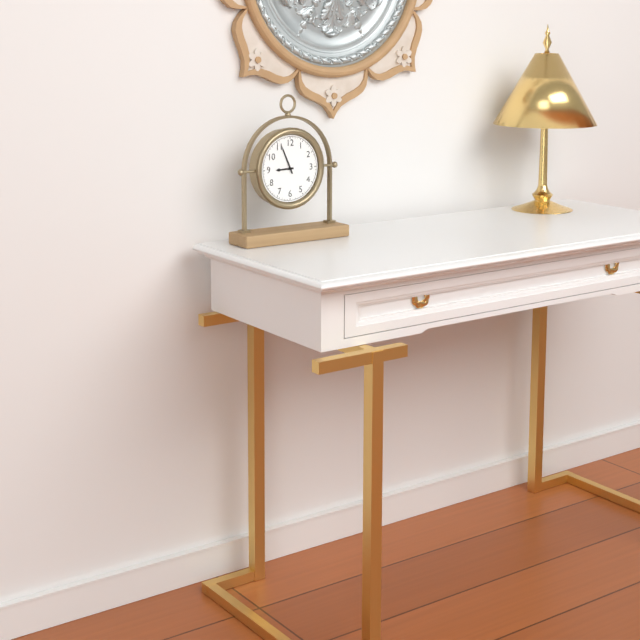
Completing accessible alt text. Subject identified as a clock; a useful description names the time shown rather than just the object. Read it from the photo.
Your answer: 8:56
